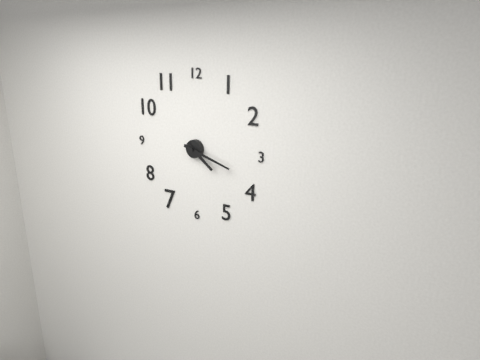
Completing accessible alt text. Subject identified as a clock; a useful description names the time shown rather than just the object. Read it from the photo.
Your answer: 4:18
